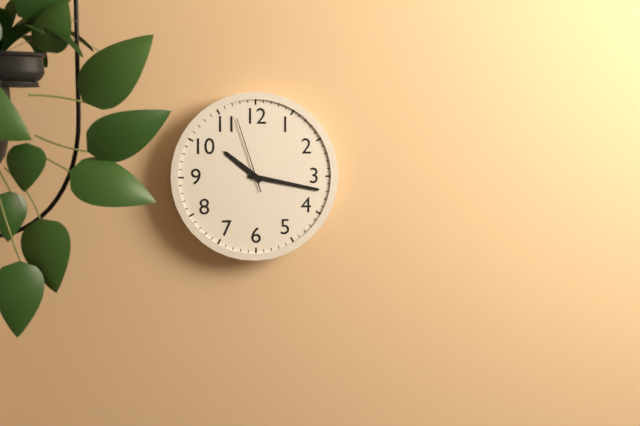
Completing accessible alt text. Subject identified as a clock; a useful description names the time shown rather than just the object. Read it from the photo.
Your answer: 10:17:57
